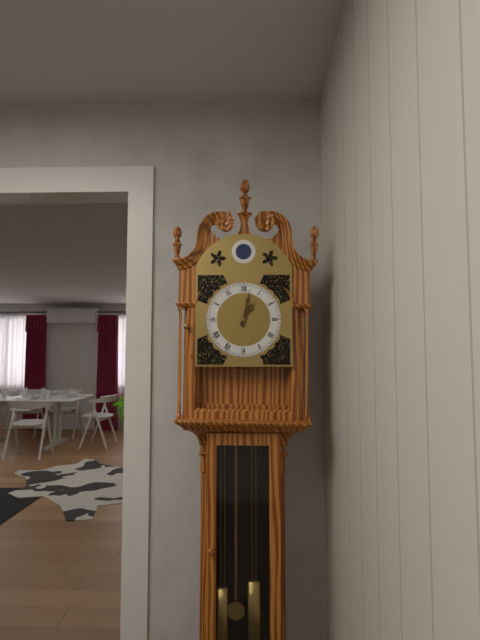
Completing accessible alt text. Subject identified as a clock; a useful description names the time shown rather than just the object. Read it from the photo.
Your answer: 1:02
